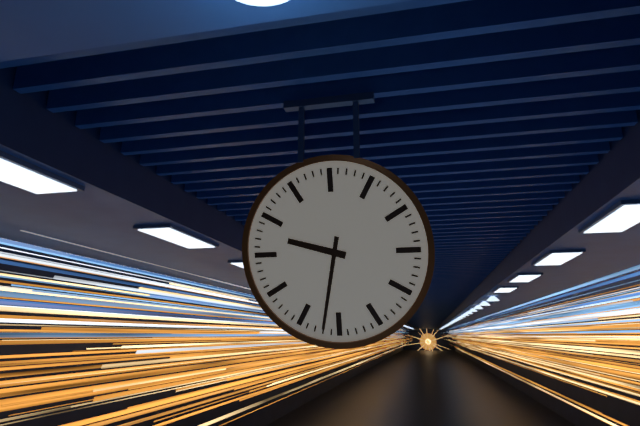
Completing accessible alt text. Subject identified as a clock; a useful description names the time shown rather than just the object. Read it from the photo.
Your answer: 9:32
